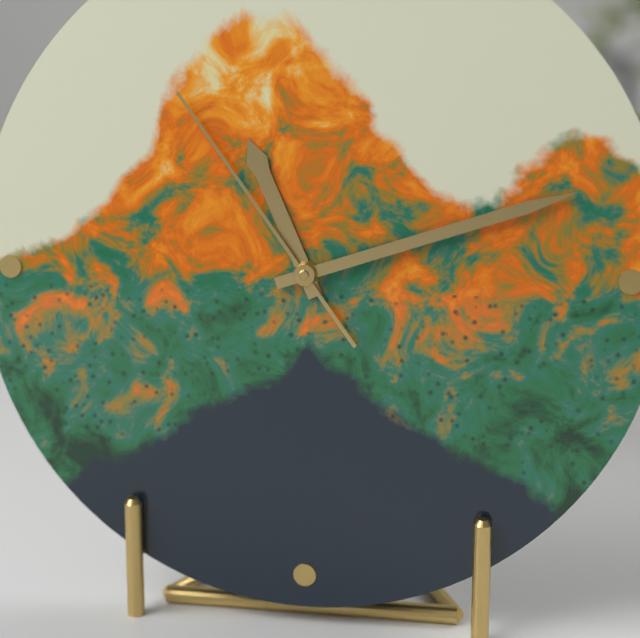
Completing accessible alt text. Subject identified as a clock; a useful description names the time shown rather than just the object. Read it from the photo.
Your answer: 11:12:54
